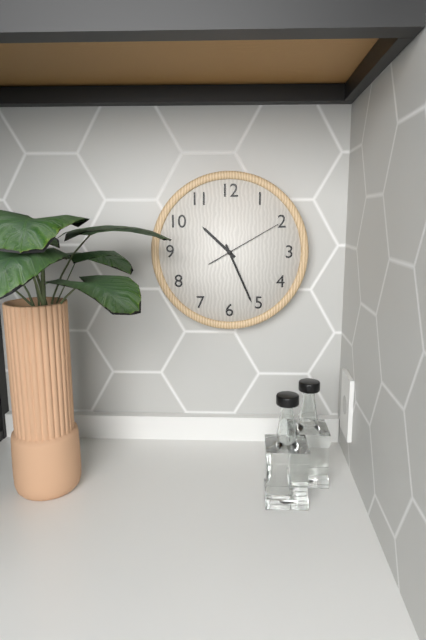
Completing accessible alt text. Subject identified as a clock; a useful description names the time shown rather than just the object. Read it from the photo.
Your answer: 10:26:10
